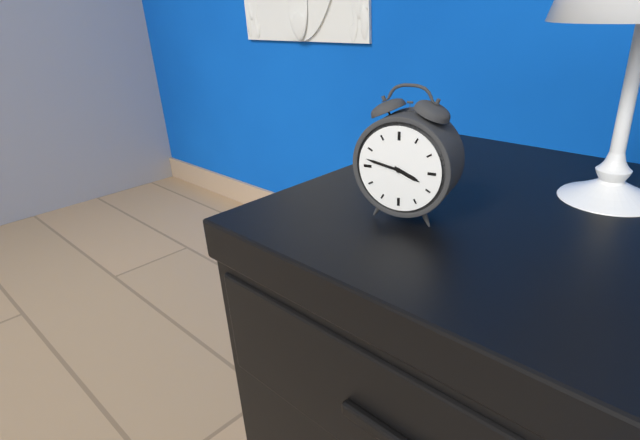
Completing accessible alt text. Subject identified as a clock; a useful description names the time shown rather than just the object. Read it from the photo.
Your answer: 3:47
